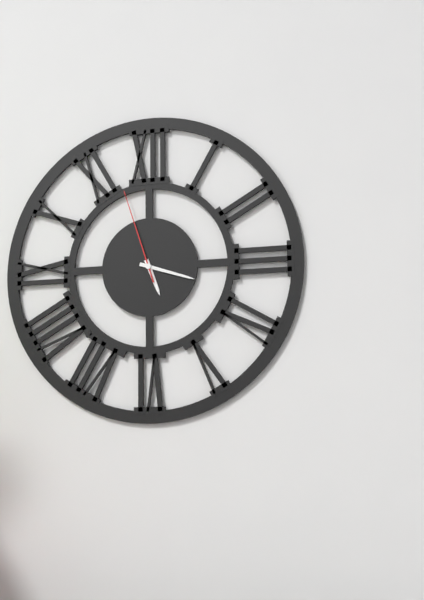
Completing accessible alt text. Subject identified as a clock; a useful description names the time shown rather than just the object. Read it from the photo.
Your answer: 5:18:57
